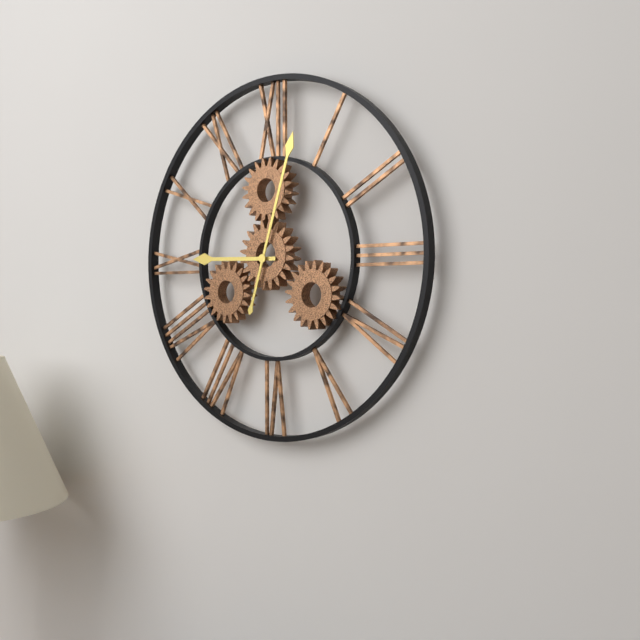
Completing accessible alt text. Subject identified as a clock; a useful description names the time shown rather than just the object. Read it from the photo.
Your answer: 9:03
